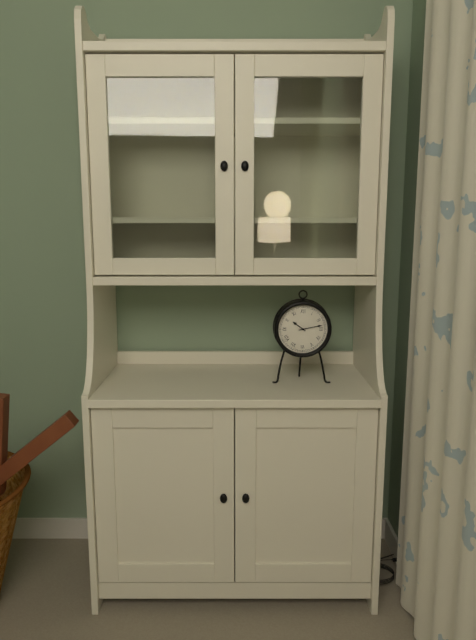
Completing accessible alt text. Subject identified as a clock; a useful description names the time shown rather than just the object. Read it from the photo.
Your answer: 10:13
